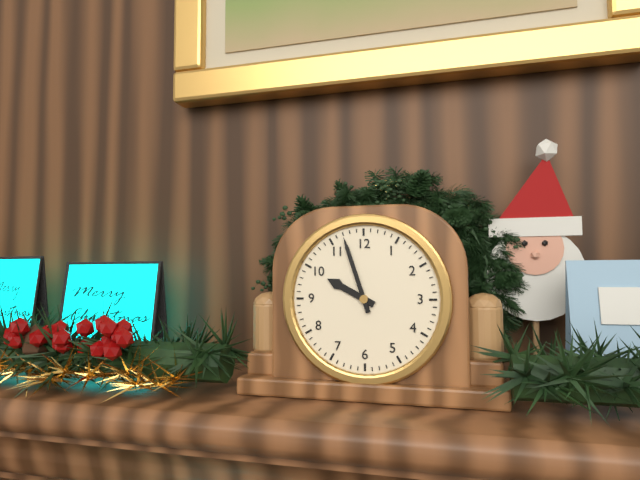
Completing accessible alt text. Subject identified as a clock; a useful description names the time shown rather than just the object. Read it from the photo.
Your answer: 9:57
